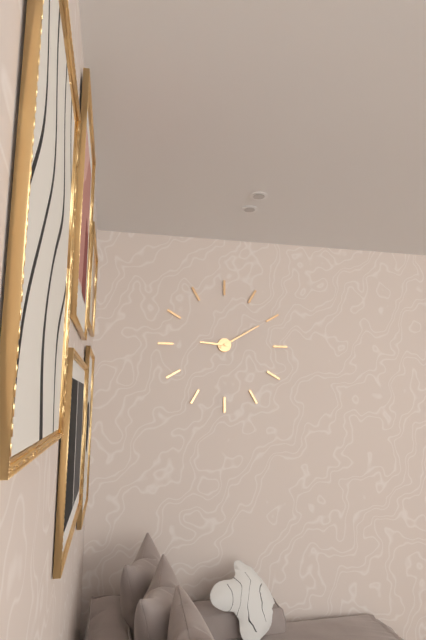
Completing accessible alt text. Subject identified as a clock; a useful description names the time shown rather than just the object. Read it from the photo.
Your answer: 9:10
